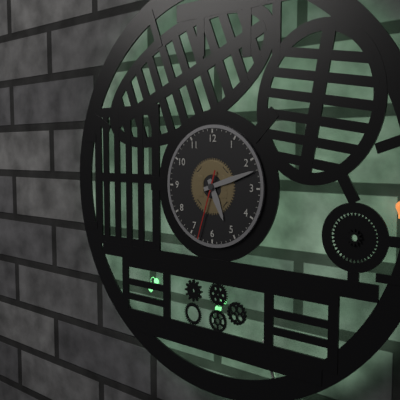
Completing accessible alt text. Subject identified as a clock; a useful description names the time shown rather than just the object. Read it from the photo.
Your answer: 5:12:33
